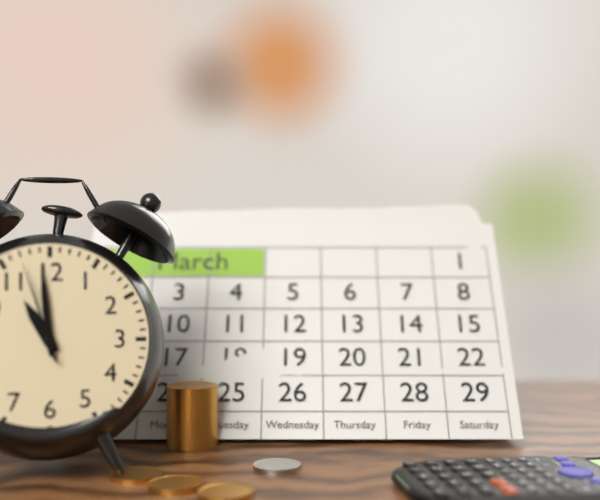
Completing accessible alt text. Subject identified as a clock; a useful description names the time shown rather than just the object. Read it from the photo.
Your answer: 10:59:57
